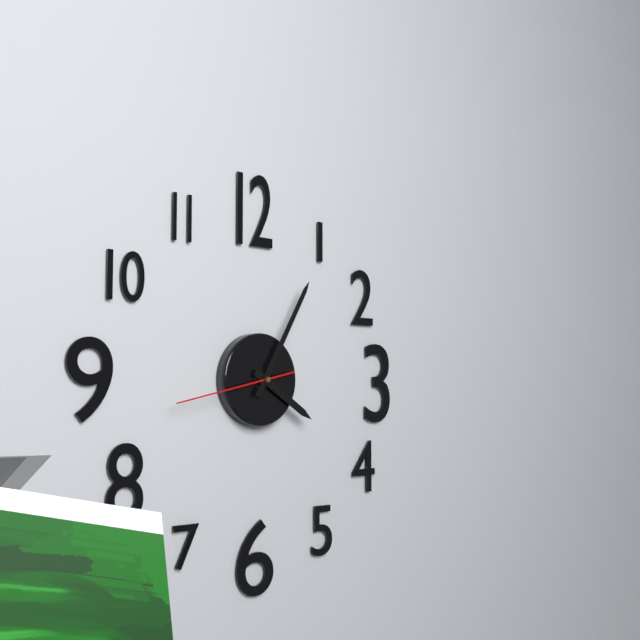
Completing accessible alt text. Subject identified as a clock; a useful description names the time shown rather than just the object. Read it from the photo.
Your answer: 4:05:43
